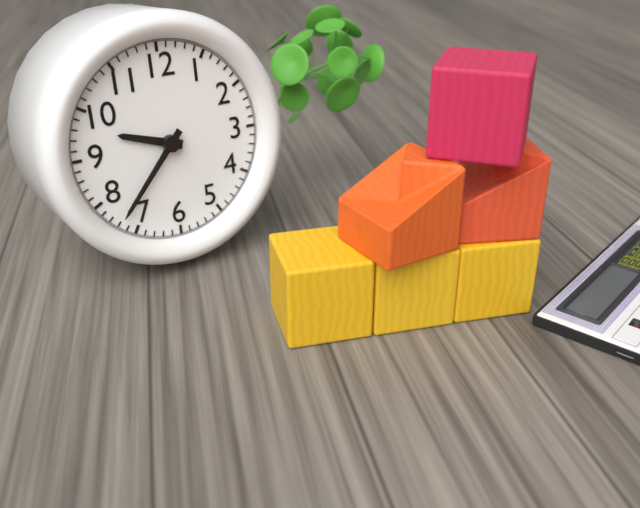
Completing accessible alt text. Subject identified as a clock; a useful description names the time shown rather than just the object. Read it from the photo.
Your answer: 9:37
